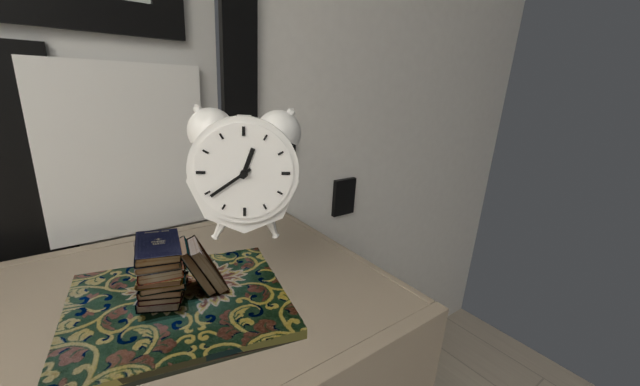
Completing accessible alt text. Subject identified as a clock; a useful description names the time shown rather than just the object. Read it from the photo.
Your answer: 12:39
